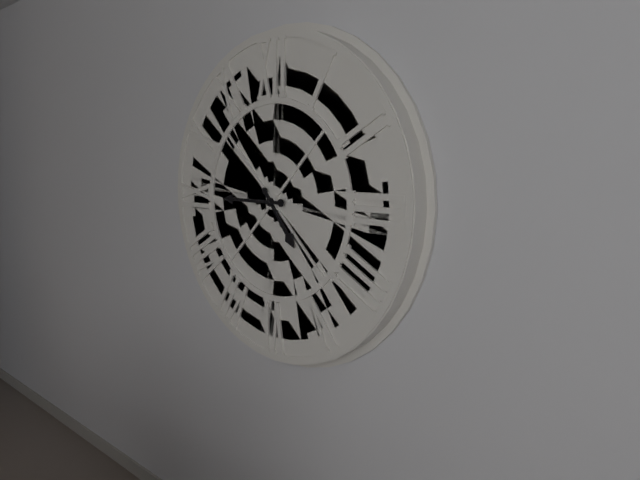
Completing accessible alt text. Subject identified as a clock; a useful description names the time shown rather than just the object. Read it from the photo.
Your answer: 4:45
